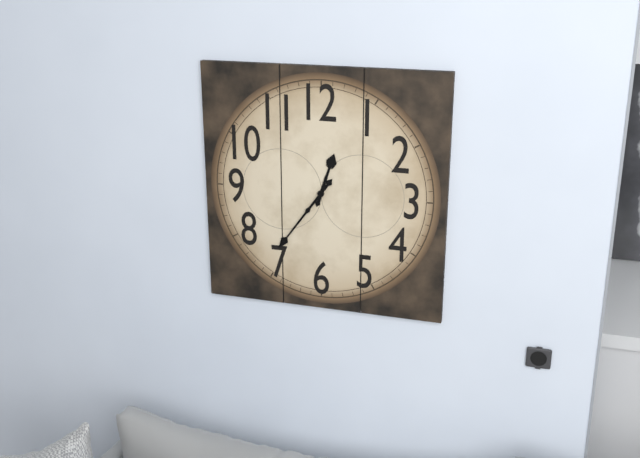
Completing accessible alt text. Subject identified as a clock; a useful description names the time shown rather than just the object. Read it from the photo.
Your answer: 12:36
